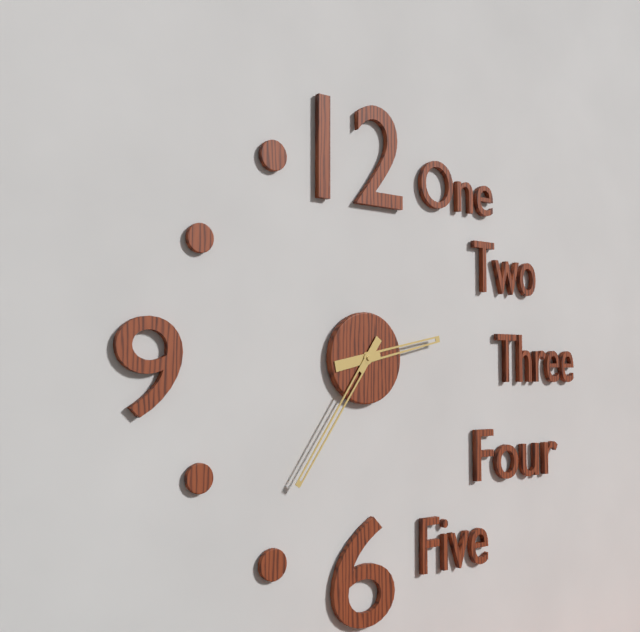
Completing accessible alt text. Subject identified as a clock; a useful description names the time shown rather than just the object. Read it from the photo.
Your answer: 2:36
